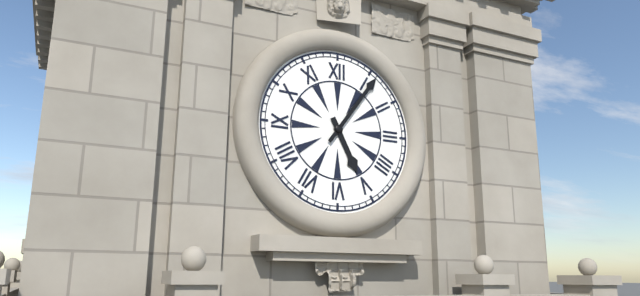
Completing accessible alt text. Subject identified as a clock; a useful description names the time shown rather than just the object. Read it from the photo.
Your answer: 5:06
